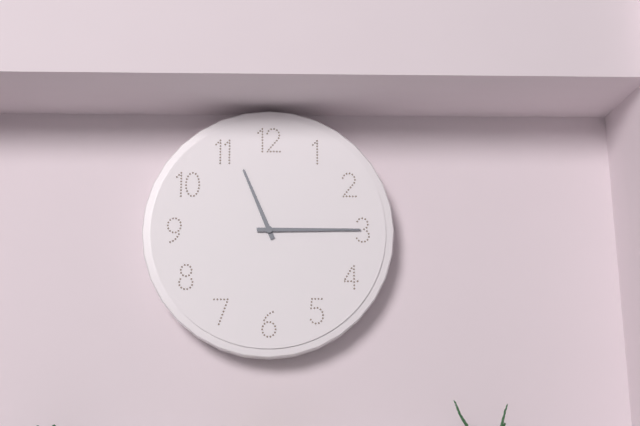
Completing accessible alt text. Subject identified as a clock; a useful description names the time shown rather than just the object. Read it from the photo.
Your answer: 11:15
